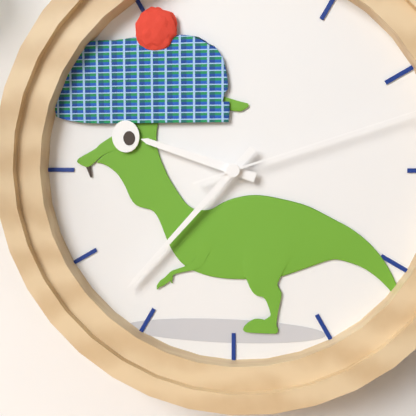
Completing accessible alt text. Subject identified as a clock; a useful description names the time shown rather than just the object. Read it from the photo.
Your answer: 9:37
